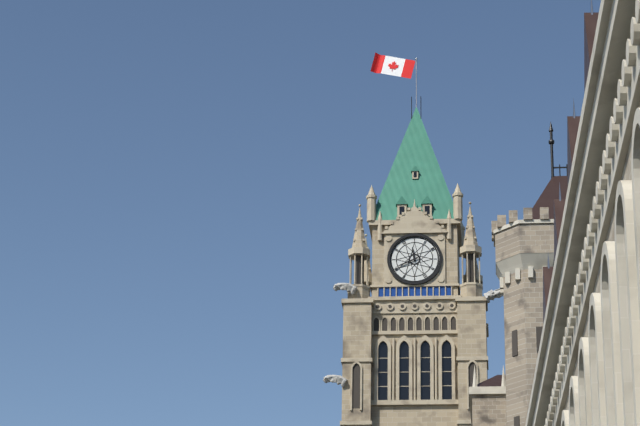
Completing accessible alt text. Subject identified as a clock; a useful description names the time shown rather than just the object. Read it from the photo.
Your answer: 11:41
